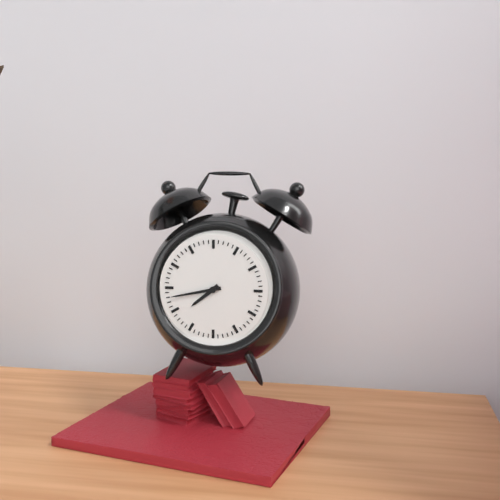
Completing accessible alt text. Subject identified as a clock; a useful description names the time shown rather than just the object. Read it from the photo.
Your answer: 7:43
